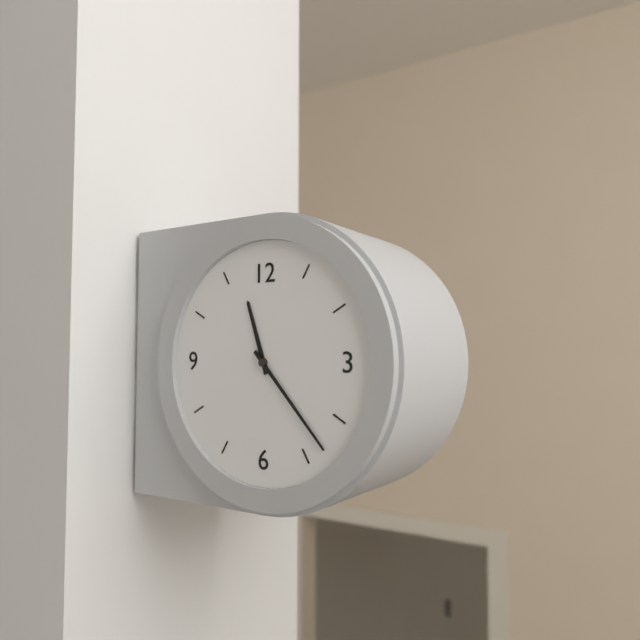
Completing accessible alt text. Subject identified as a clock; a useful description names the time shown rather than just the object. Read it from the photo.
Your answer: 11:23
